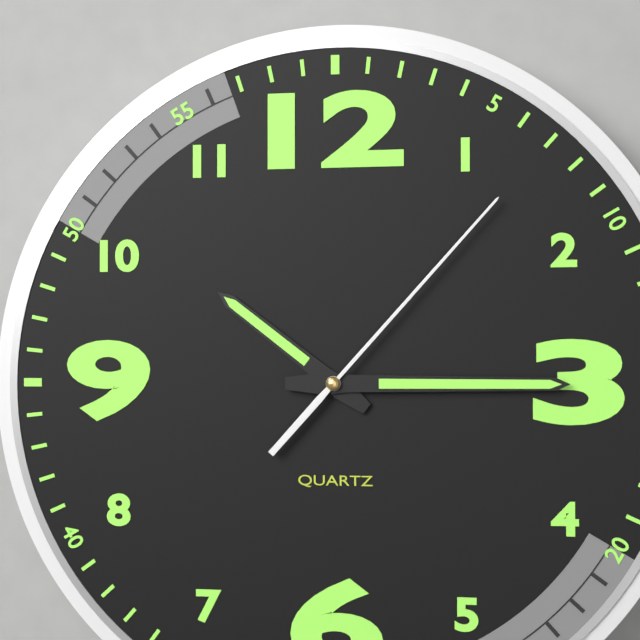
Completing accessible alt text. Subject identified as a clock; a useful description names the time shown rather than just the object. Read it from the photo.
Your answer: 10:15:07
